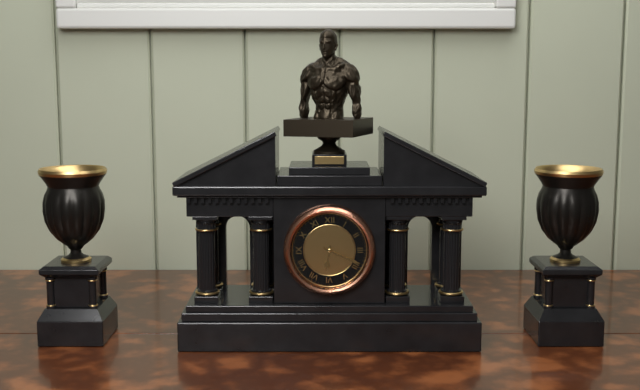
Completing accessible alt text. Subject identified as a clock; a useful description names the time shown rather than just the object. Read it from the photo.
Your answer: 6:19
